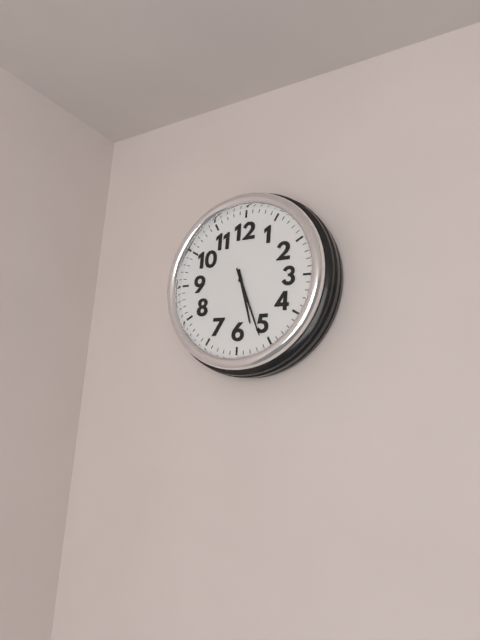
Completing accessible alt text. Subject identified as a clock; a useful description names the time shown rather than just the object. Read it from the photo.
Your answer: 5:26
